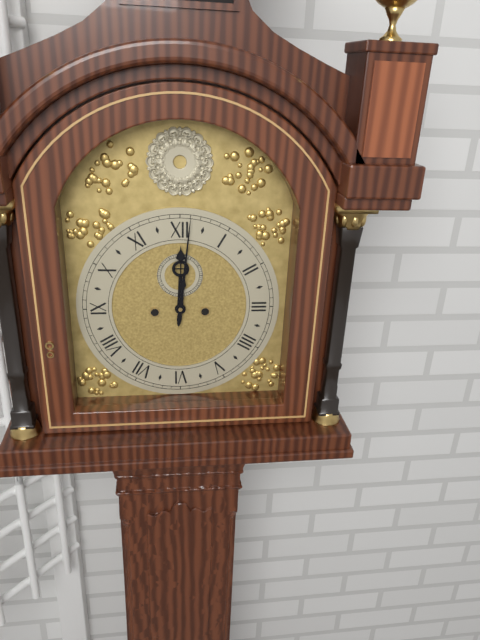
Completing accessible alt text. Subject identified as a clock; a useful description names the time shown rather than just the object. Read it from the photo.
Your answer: 12:01
